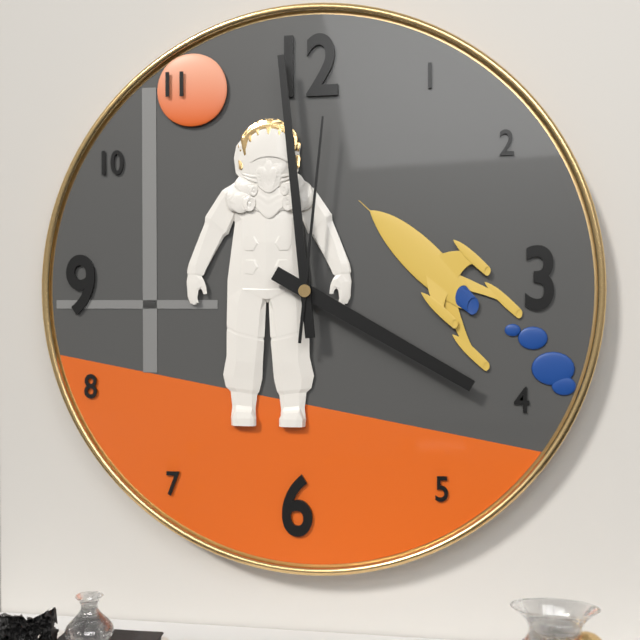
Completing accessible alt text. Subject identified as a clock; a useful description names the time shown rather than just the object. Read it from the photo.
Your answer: 3:59:01
